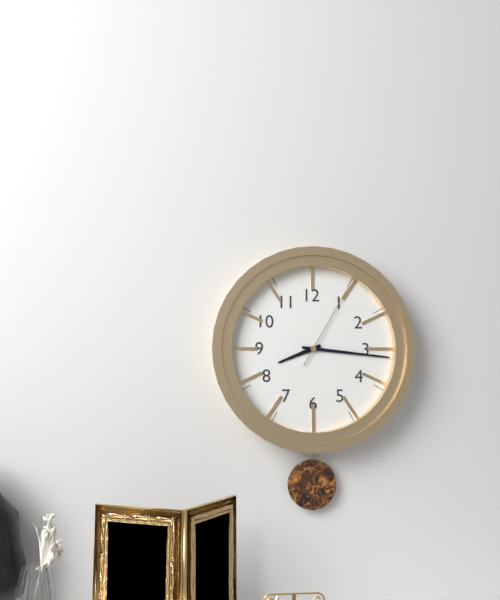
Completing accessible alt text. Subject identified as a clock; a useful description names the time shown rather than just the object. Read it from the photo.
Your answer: 8:16:05
